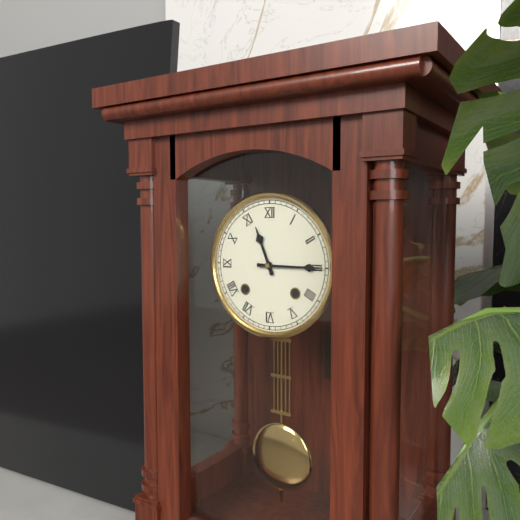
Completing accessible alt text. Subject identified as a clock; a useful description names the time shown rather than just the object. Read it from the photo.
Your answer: 11:15
